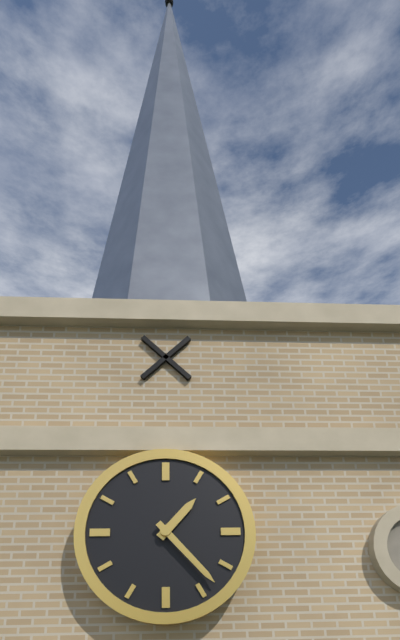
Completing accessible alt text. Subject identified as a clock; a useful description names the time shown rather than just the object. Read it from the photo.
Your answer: 1:23
